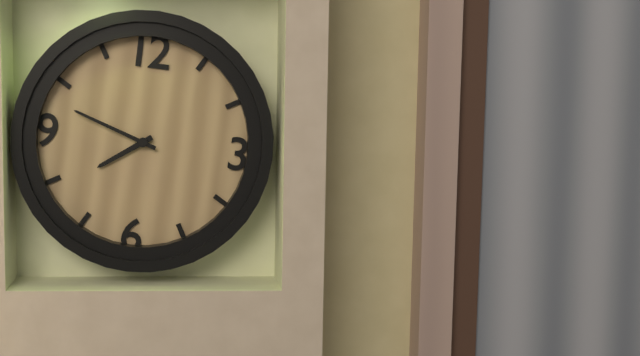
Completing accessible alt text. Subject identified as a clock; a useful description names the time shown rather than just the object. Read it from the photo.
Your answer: 7:48
